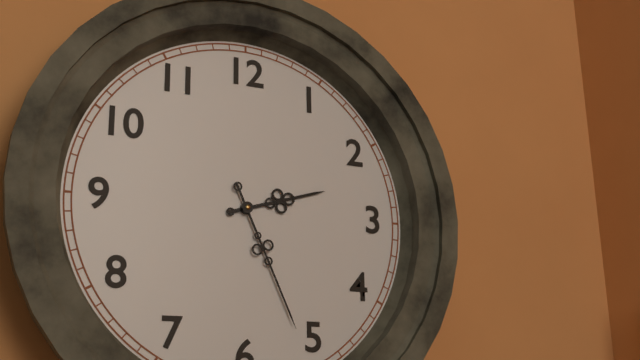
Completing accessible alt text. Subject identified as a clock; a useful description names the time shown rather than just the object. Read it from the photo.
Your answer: 2:26
